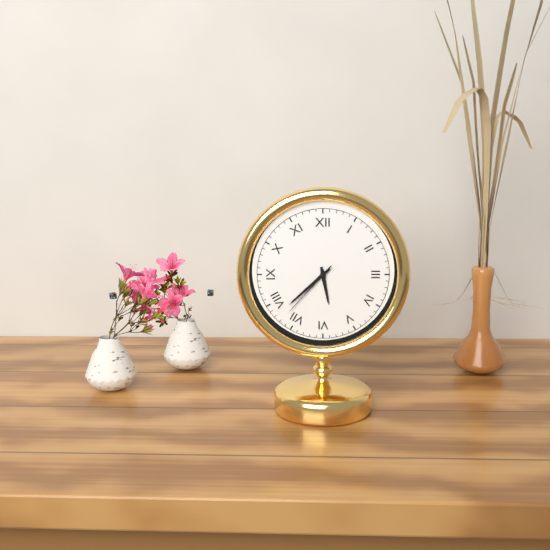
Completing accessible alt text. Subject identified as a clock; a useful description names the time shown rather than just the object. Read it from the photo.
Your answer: 5:38:37
